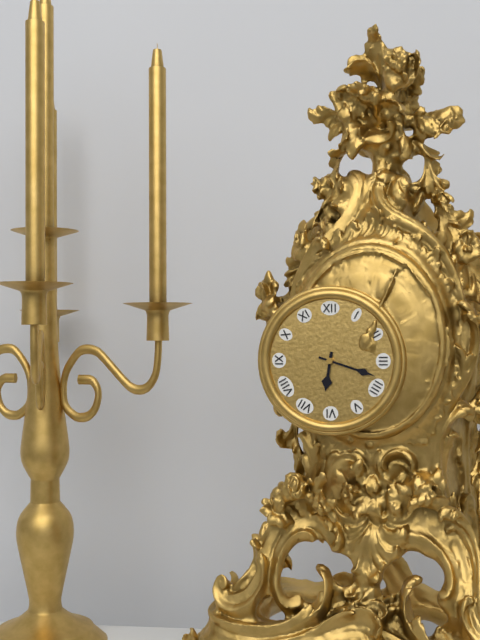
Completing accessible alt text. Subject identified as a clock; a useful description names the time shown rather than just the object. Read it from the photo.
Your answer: 6:18
